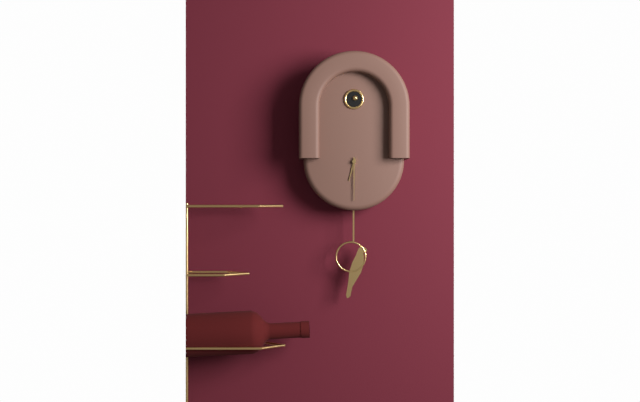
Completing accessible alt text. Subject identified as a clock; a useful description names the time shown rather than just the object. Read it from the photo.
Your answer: 6:30
